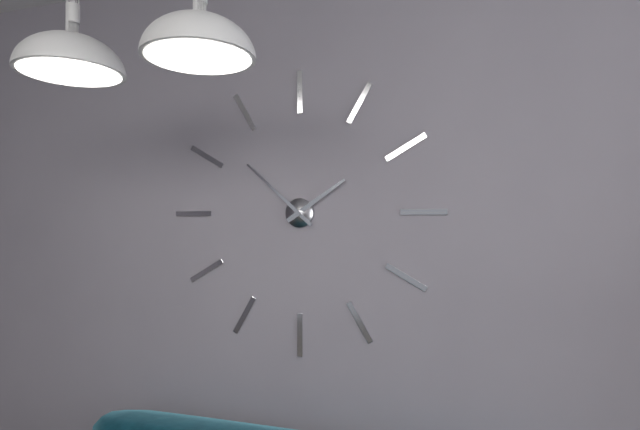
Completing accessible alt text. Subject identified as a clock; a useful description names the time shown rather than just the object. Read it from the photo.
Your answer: 1:52
